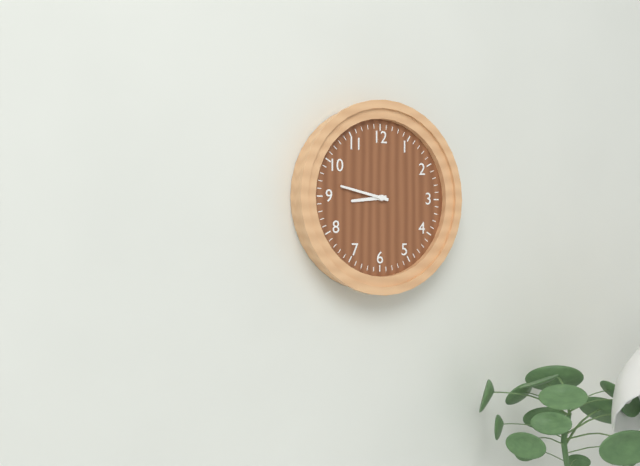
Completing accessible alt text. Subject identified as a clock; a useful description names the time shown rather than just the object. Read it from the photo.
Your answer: 8:47
